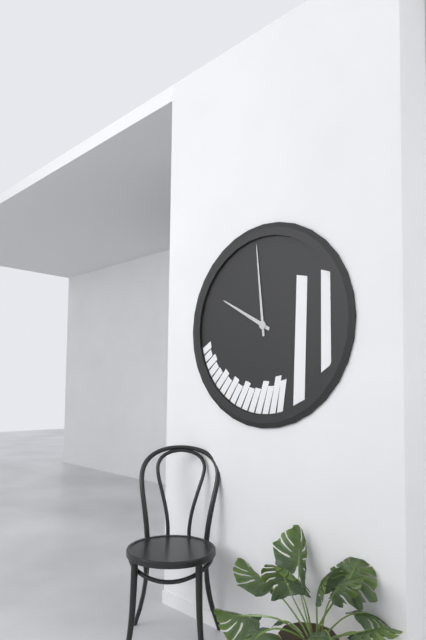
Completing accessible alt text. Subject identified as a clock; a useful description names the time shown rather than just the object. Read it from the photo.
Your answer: 9:59
